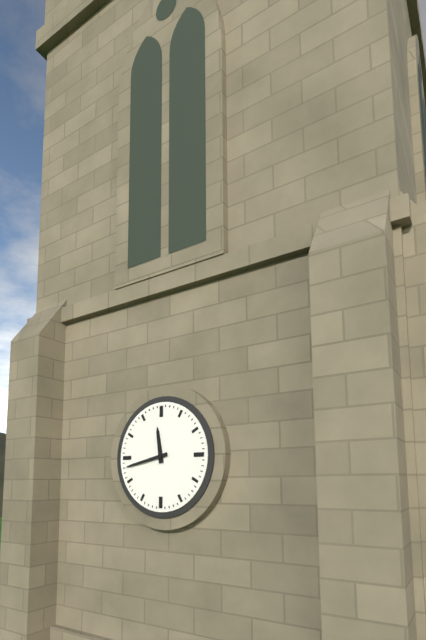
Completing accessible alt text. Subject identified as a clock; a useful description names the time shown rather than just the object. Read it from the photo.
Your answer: 11:43
